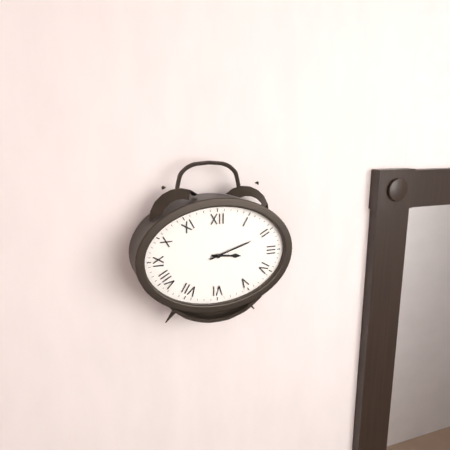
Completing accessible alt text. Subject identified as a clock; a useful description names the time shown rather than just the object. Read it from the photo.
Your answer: 3:12
